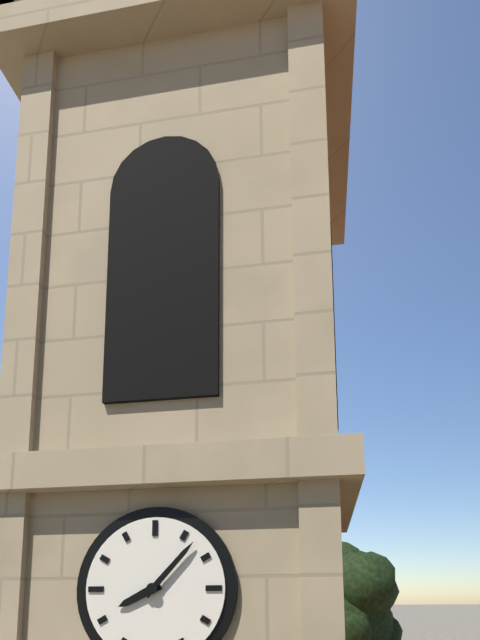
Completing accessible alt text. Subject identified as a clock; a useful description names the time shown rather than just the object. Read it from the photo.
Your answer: 8:07
